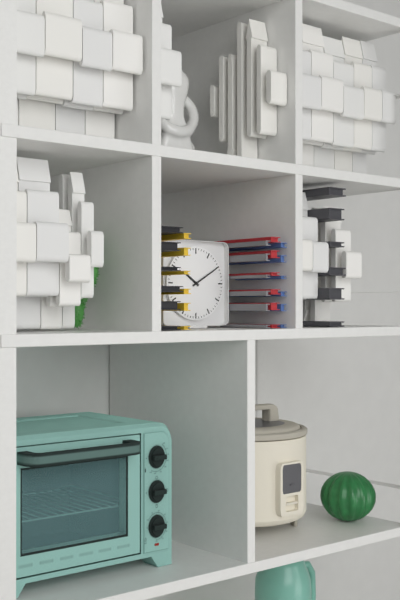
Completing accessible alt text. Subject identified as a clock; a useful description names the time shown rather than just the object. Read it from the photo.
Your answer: 10:10
